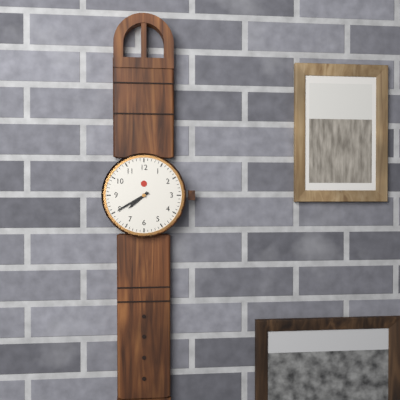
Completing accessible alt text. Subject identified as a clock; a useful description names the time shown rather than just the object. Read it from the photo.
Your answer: 7:40
